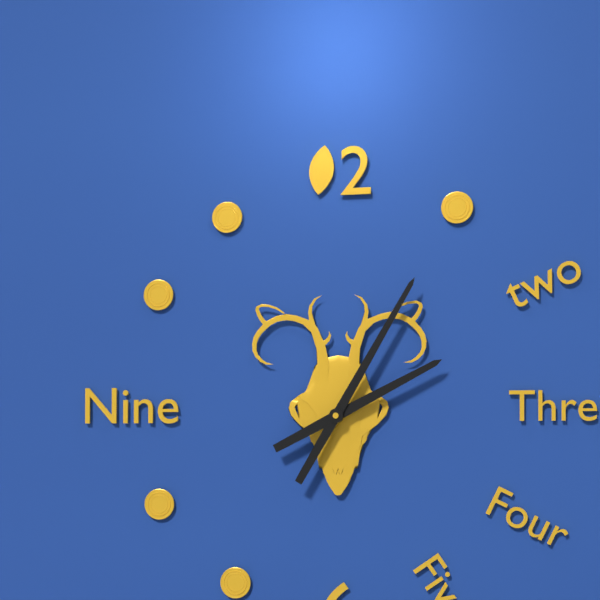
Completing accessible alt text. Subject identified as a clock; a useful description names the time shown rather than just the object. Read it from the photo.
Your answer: 2:05
